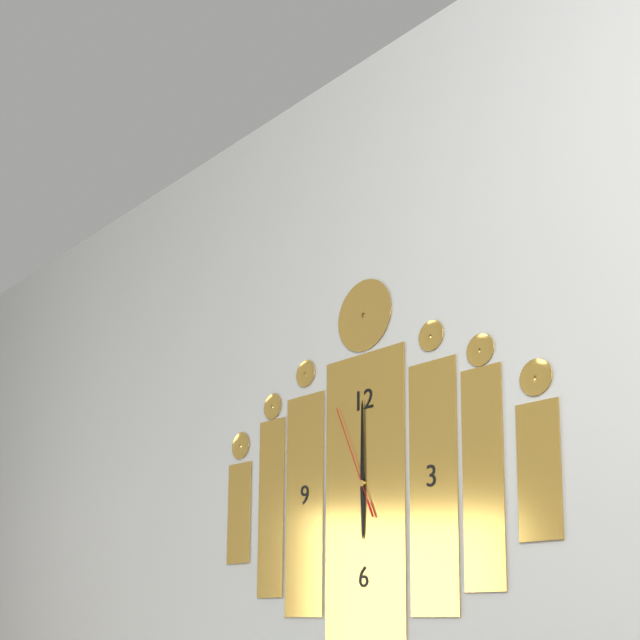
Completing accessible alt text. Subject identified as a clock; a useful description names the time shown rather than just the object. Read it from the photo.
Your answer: 6:00:56
